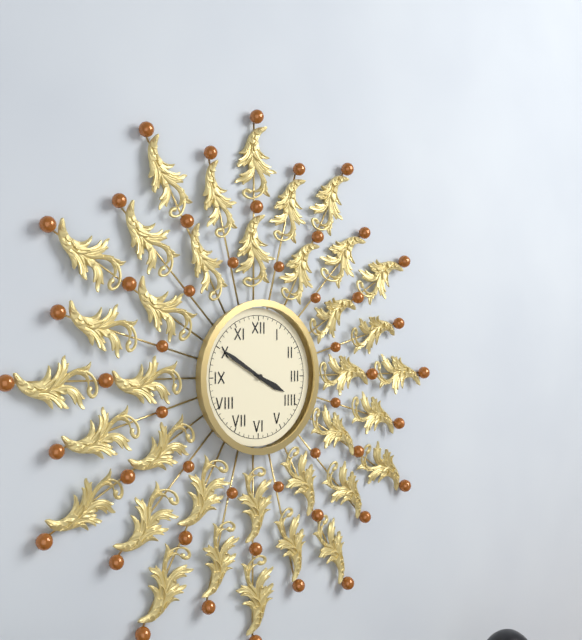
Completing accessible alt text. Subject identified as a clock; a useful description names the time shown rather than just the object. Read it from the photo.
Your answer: 3:50
